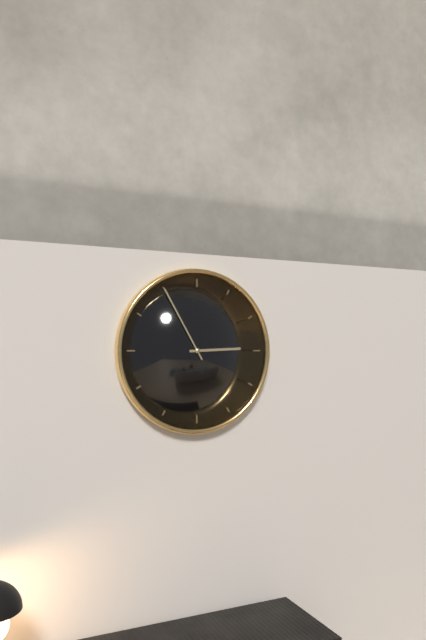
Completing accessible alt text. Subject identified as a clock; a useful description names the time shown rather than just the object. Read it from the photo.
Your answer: 2:55
